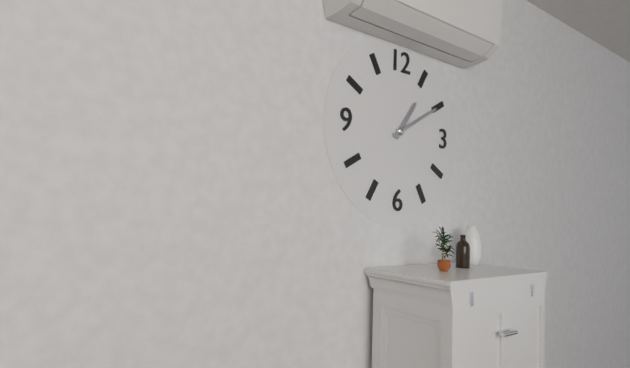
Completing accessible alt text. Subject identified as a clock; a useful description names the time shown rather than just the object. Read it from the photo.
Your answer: 1:10
